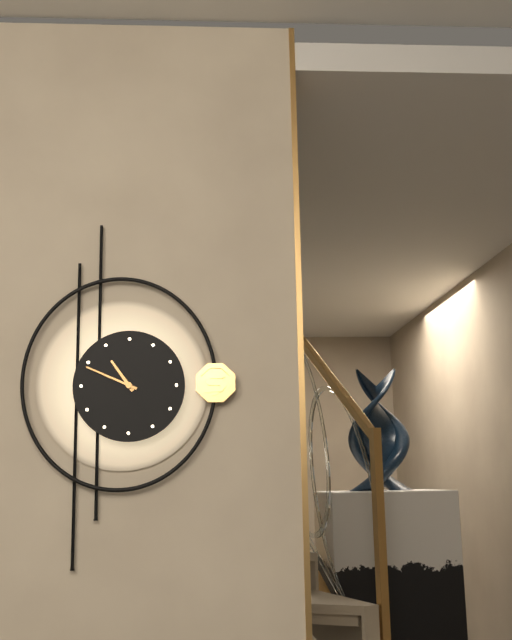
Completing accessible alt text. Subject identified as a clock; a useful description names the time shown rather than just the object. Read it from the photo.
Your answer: 10:49
